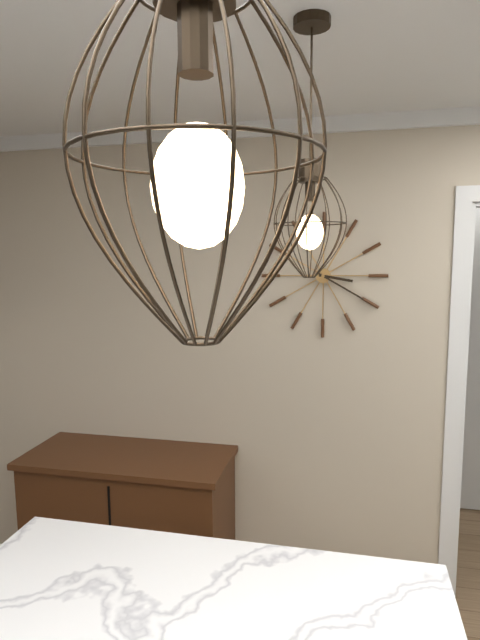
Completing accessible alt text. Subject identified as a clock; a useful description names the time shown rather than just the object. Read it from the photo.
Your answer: 3:20
